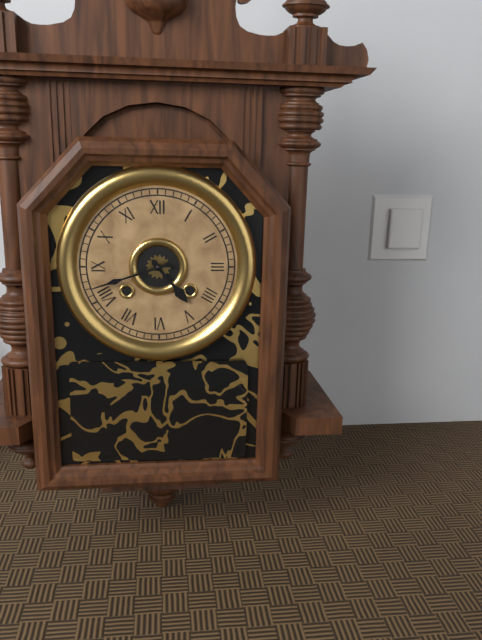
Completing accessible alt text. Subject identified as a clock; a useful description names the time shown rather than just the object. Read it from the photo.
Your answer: 4:42
